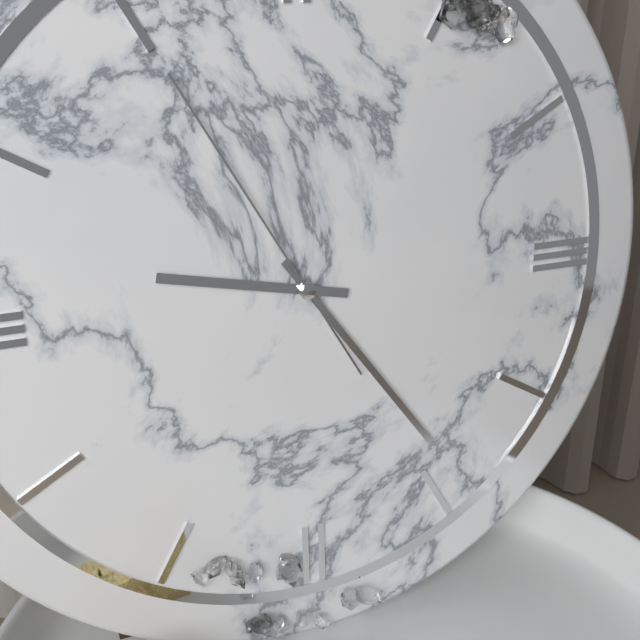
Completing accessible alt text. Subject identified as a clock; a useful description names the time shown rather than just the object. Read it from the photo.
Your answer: 9:24:55
